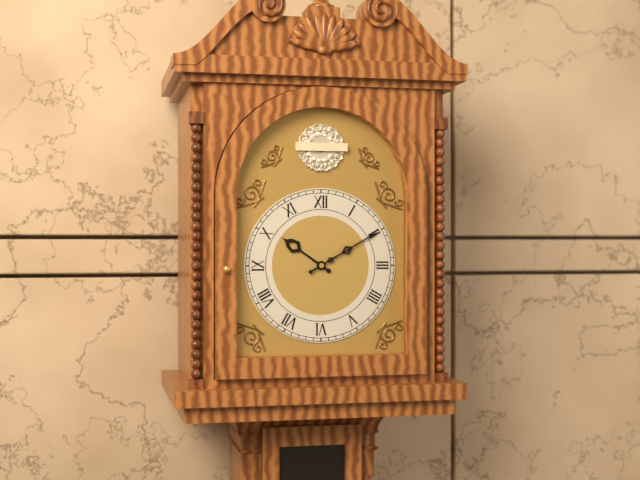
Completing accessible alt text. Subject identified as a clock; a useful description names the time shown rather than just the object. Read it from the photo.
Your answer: 10:10
